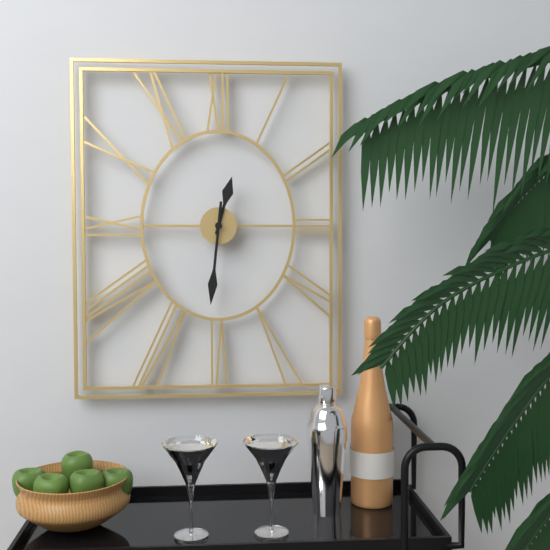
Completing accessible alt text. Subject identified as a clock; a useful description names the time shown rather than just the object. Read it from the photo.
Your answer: 12:31
